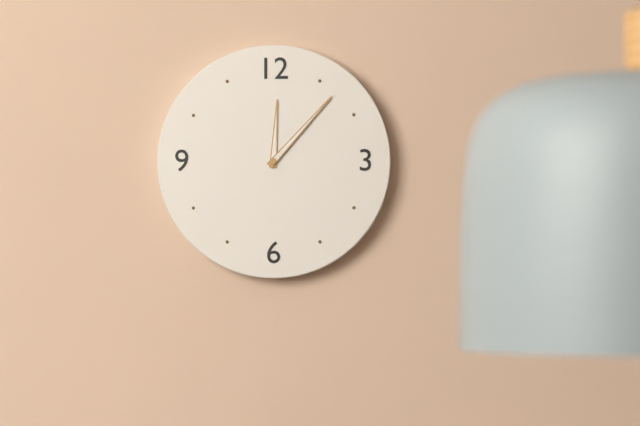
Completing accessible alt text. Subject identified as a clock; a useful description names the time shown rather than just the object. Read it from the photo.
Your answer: 12:07
